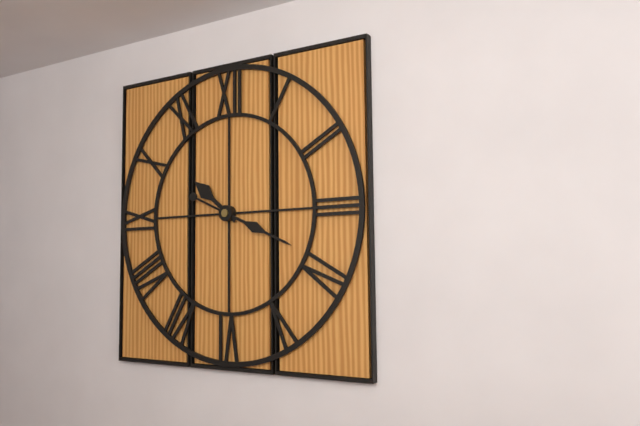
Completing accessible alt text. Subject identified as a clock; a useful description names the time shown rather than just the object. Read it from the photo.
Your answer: 10:19
